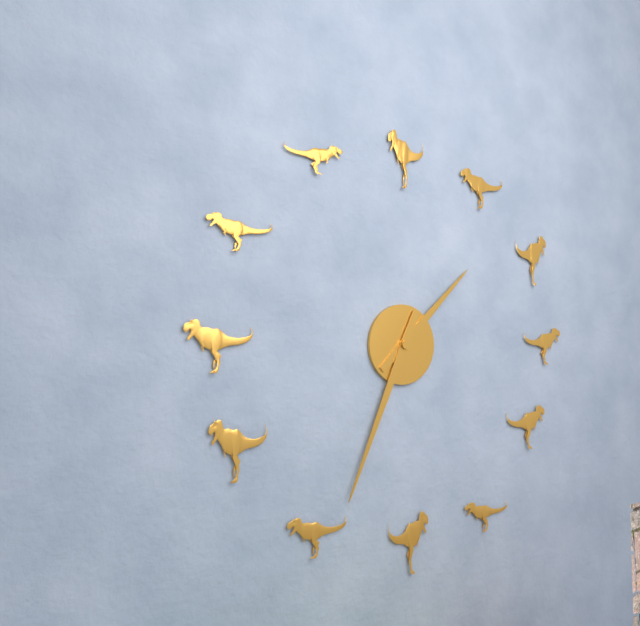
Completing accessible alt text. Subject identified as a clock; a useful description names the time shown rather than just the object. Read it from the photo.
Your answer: 1:34
